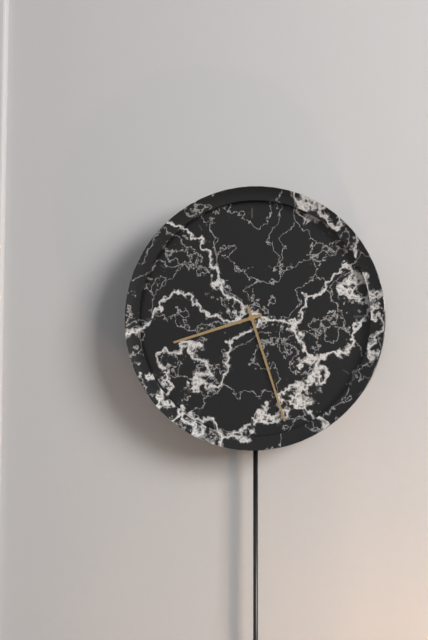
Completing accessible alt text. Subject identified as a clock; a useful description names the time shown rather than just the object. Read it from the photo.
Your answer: 8:27
